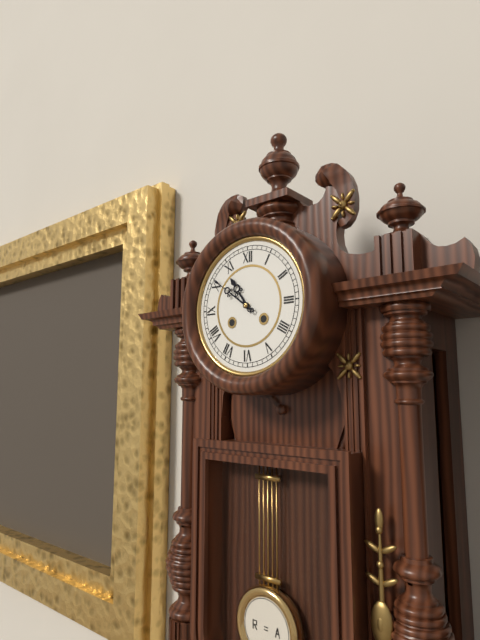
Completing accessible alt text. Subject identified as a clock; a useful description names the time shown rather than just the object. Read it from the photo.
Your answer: 10:51
